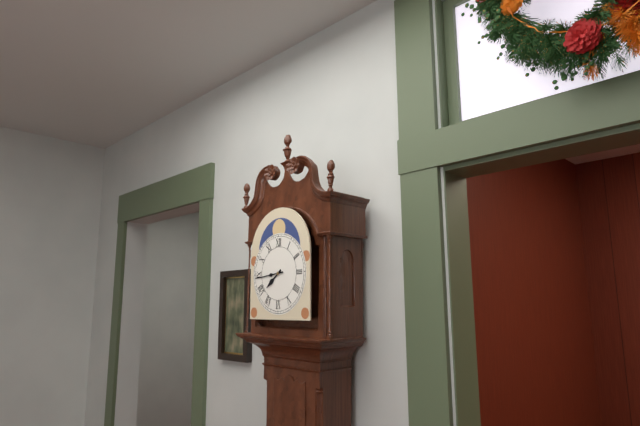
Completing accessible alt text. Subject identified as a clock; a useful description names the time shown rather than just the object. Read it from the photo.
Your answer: 7:44
